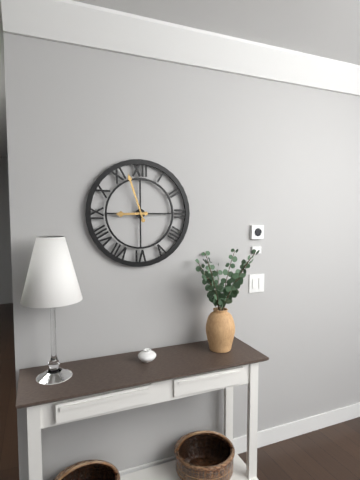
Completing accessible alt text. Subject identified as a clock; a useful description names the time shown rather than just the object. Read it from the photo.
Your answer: 8:57
